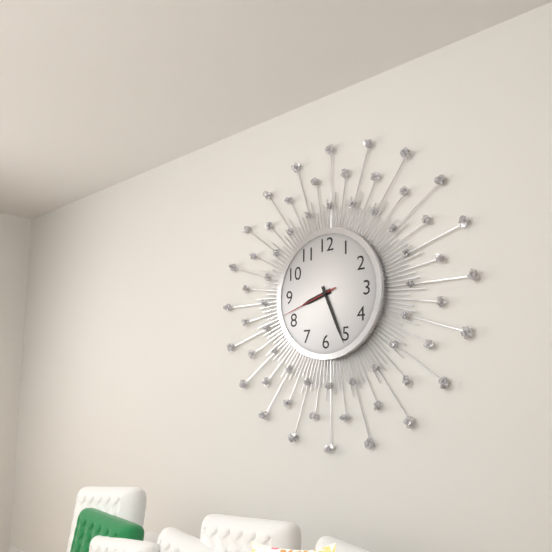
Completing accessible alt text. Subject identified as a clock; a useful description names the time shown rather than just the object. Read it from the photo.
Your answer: 8:26:42
